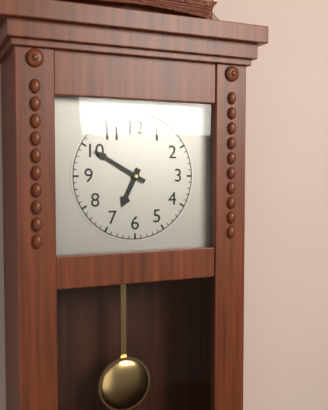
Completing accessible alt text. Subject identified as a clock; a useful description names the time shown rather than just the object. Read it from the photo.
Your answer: 6:50
